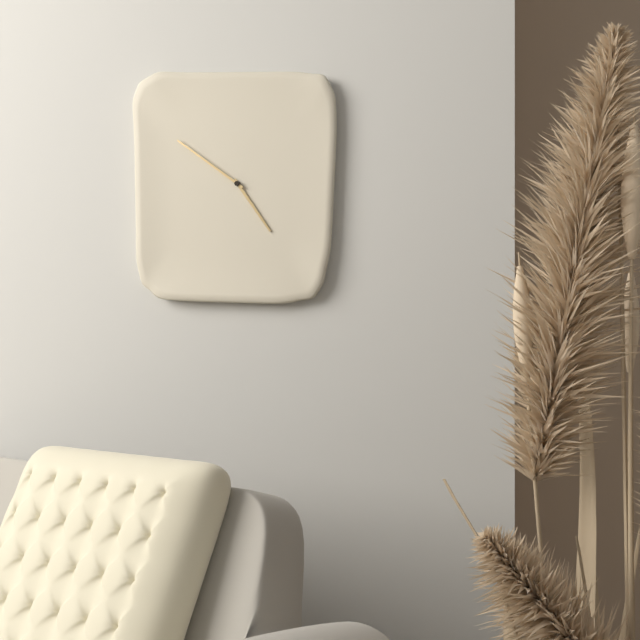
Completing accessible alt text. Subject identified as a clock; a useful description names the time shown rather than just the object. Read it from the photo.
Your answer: 4:51
